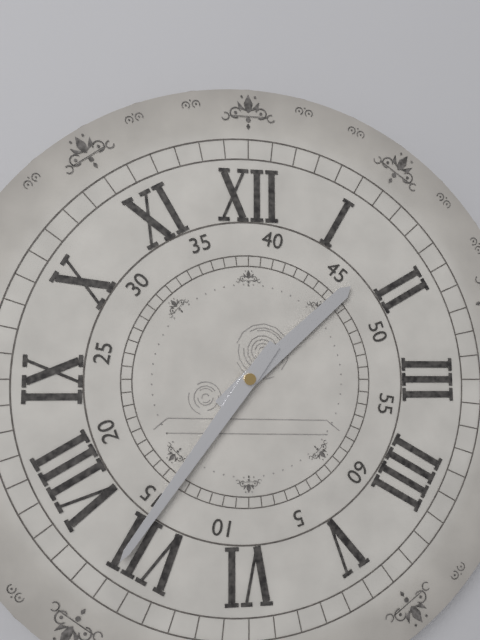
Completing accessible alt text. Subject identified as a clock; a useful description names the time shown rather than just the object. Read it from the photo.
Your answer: 1:36
